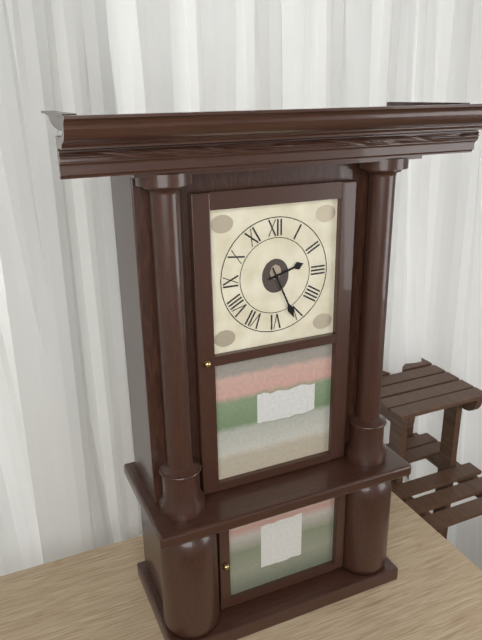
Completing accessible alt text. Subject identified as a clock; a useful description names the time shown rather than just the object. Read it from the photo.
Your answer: 2:26
